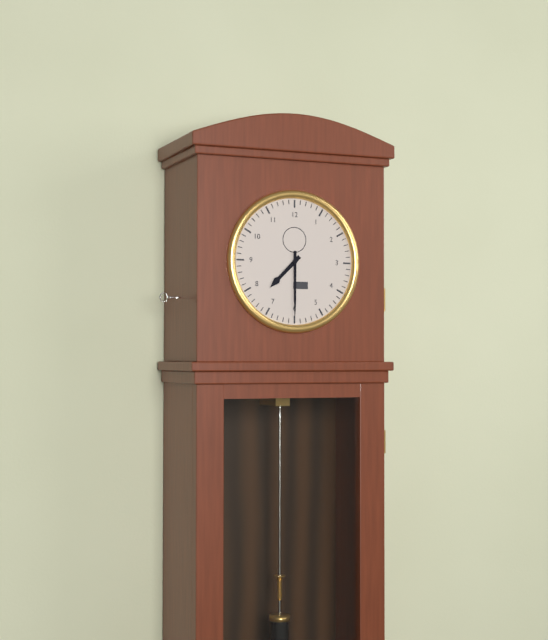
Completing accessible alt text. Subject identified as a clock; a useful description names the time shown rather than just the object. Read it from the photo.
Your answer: 7:30
